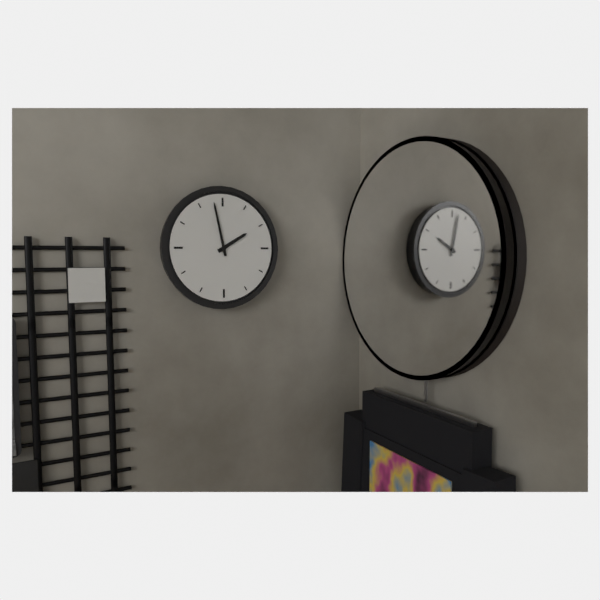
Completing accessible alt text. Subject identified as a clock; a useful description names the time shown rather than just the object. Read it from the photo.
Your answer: 1:58
